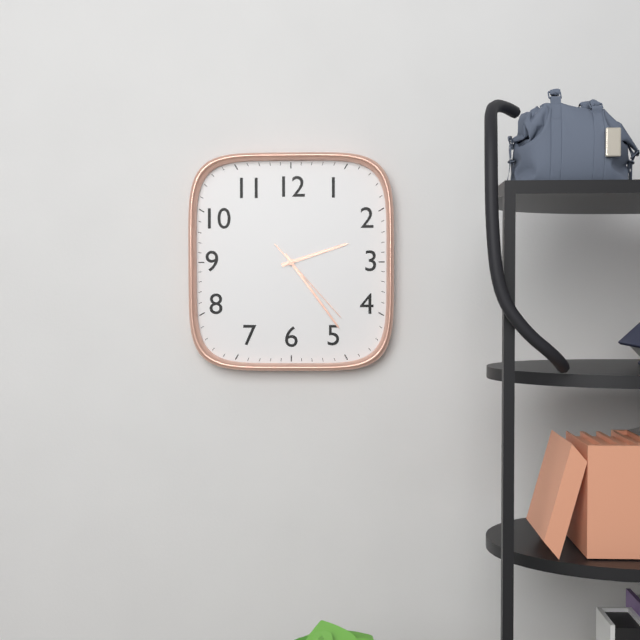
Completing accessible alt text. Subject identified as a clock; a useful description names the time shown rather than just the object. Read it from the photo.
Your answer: 2:24:23
